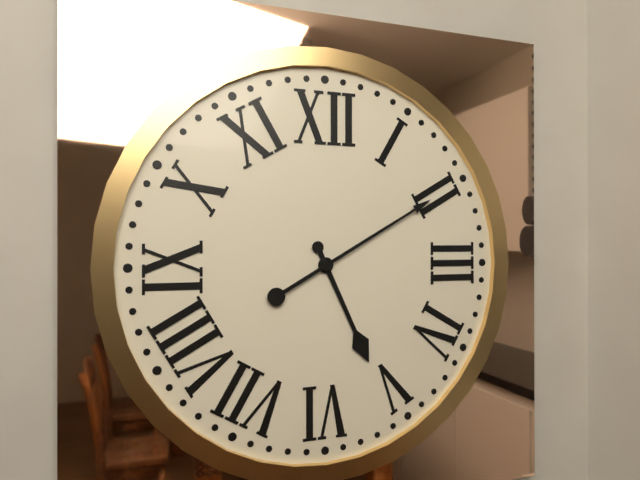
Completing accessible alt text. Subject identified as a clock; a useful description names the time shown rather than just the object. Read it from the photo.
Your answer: 5:10
